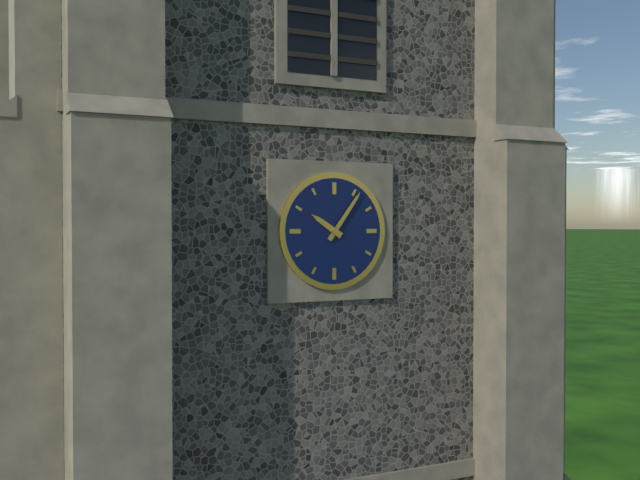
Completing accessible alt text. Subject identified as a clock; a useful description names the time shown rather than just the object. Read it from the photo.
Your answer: 10:06
